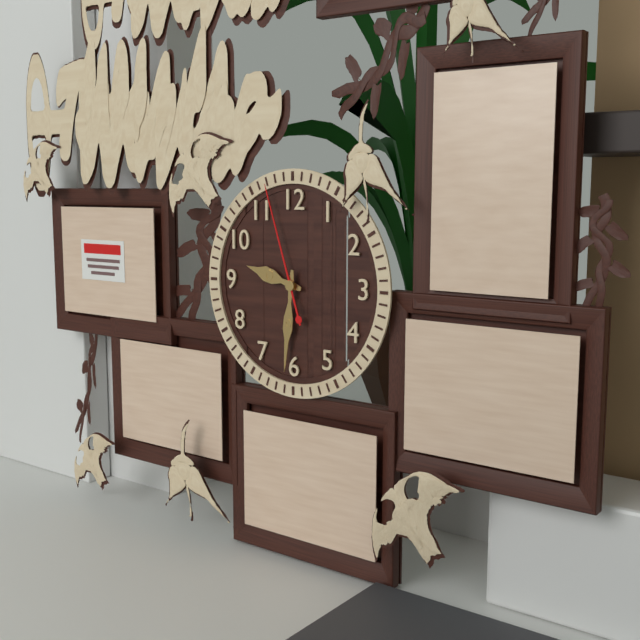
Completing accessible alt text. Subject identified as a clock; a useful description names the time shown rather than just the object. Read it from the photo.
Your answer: 9:31:57
